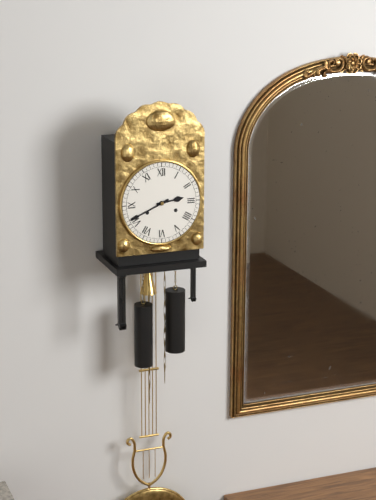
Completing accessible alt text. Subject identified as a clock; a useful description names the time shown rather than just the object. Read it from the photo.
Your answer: 2:41
